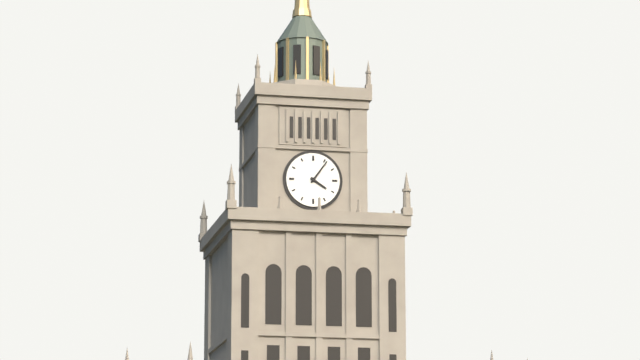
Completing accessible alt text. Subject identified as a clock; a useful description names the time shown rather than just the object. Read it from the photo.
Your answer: 4:06
